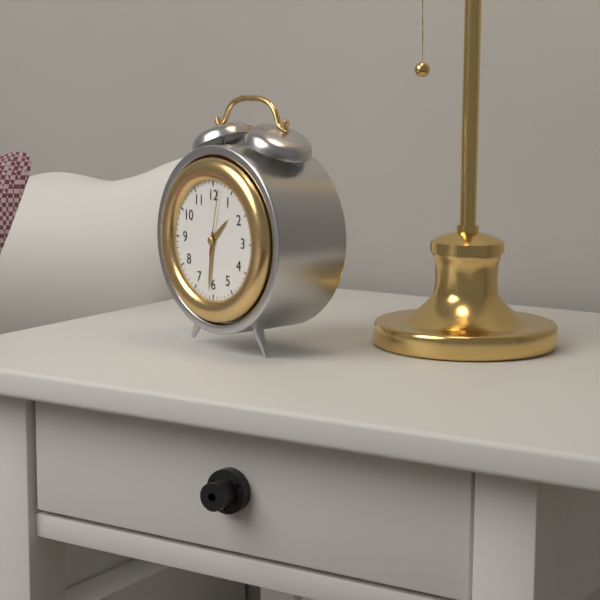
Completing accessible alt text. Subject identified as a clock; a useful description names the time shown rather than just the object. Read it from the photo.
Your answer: 1:31:02
